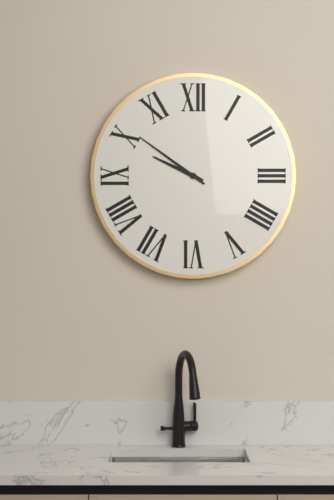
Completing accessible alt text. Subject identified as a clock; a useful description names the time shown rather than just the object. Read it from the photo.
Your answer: 9:51
